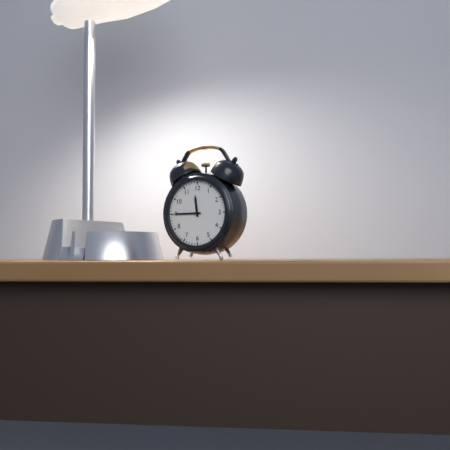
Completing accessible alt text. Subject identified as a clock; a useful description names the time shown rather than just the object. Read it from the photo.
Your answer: 11:45
